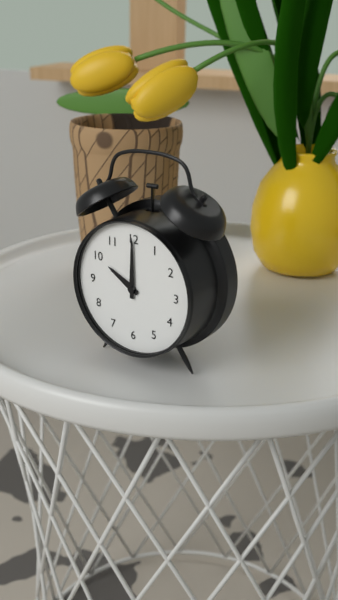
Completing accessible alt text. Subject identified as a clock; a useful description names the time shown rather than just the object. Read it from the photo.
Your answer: 10:00
